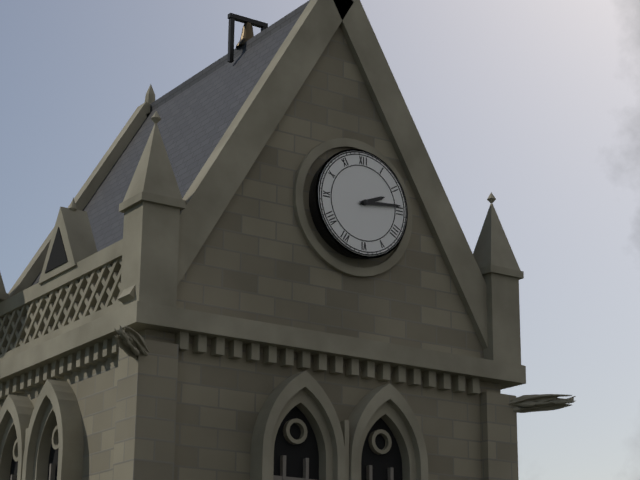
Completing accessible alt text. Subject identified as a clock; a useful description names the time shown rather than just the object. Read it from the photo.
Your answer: 2:14
